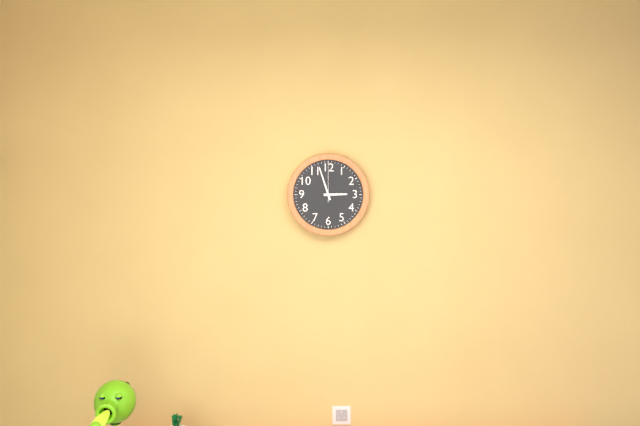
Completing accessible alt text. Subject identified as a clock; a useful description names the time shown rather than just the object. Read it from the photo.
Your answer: 2:57
